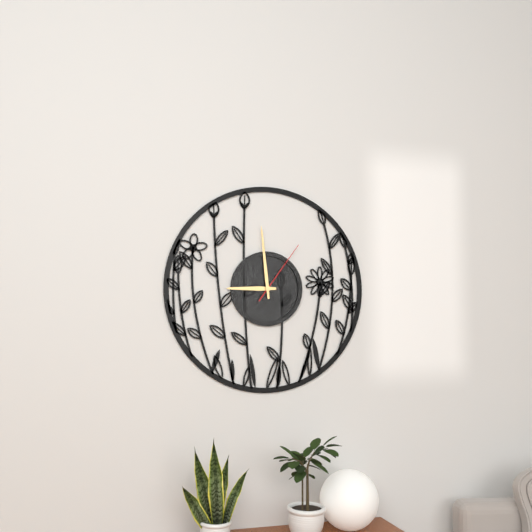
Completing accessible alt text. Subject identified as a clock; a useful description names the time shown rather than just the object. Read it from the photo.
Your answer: 8:59:06
